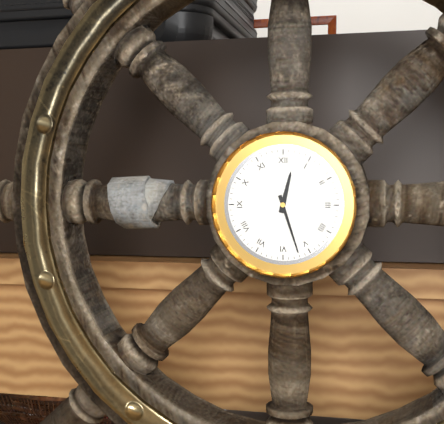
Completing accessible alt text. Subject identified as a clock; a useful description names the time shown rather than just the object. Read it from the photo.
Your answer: 12:27
